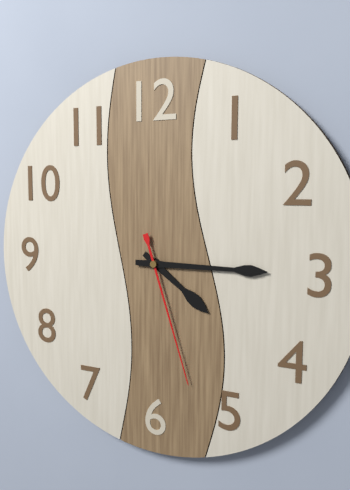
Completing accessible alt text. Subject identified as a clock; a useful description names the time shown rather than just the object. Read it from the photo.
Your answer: 4:15:27
